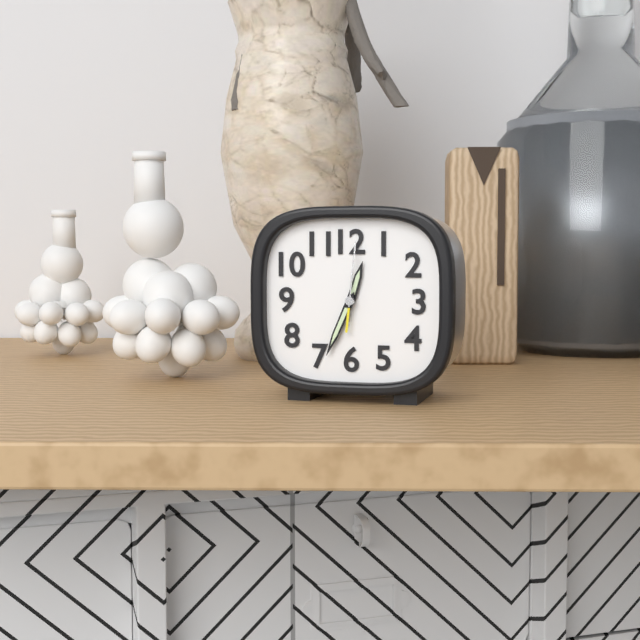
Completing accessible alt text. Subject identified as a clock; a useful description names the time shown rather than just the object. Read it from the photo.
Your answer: 12:34:01
